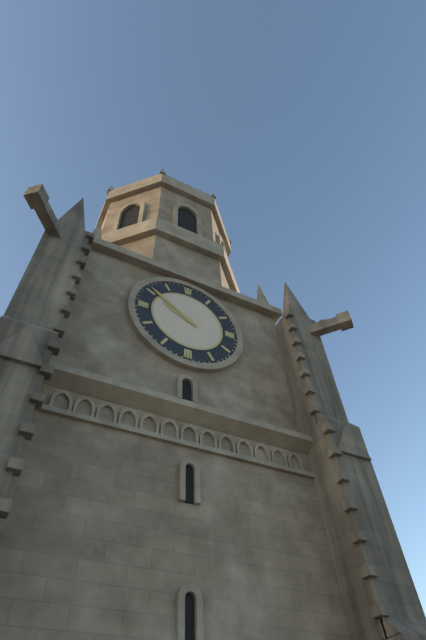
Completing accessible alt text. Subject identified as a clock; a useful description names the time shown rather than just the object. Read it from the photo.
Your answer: 9:51
